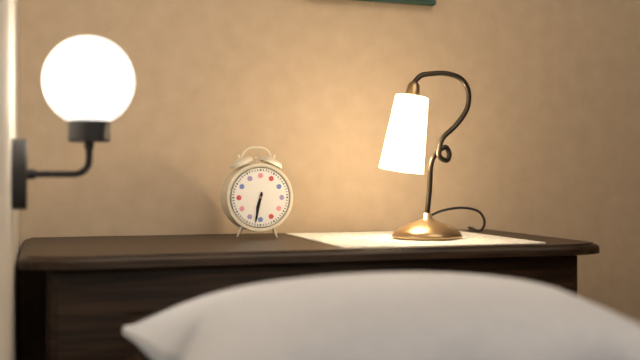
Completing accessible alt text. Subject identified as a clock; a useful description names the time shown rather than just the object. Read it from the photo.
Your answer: 6:32
